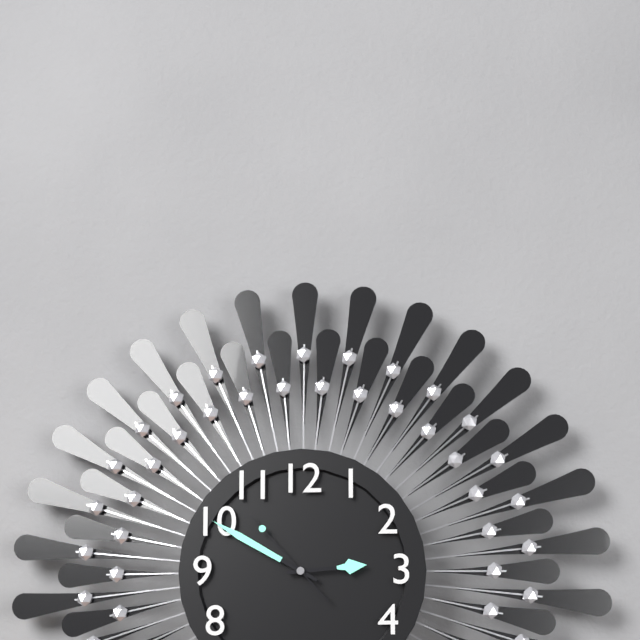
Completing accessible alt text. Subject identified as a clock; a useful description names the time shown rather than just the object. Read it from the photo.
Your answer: 2:50:53
